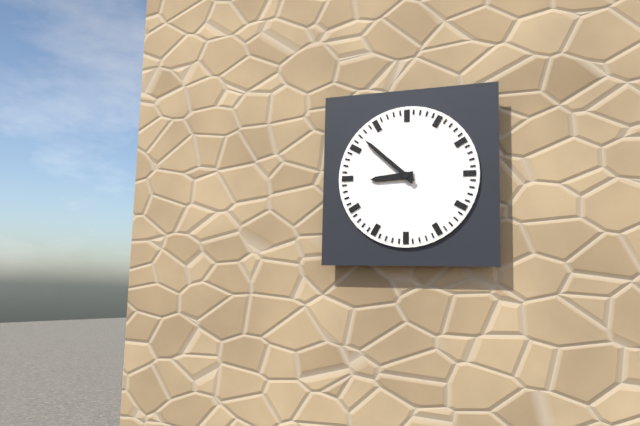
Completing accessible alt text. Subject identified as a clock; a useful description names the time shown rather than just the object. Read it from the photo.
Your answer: 8:52
